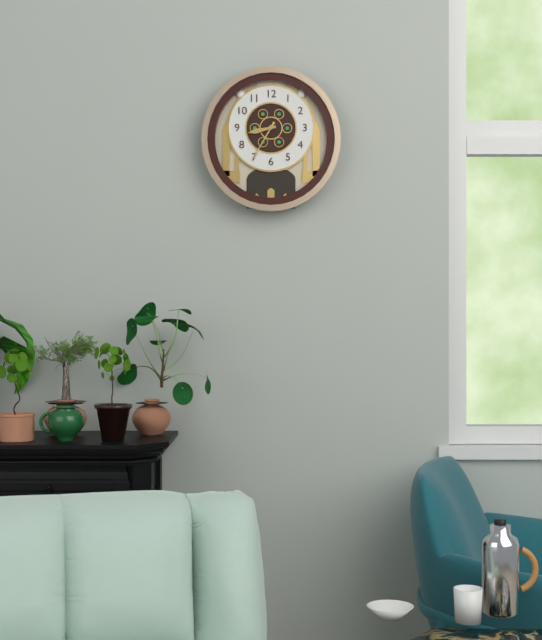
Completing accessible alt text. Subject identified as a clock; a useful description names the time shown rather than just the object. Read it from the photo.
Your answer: 8:35
